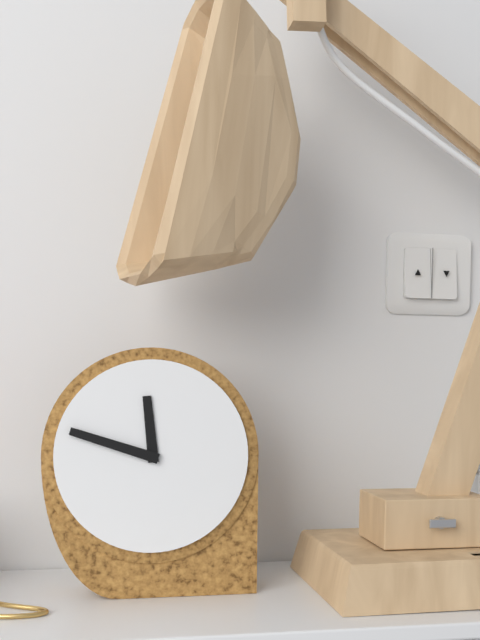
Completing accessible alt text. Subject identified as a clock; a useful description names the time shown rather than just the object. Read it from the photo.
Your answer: 11:48
